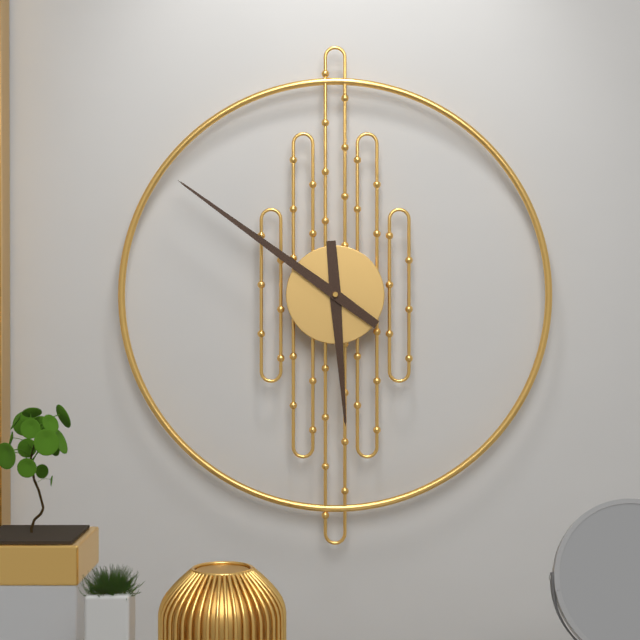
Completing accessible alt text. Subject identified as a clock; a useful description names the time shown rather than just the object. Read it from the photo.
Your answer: 5:51
